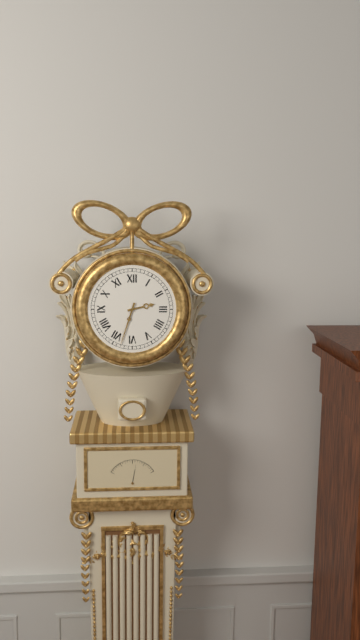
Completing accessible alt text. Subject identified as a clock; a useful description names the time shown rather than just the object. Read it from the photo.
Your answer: 2:33
